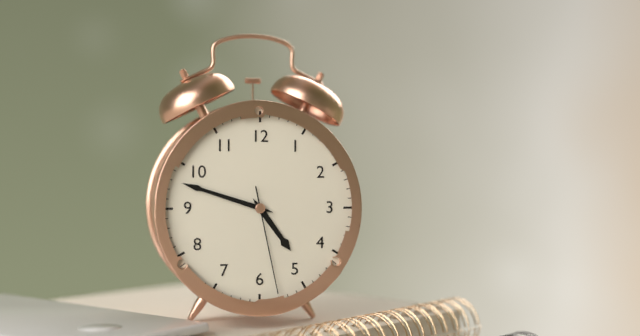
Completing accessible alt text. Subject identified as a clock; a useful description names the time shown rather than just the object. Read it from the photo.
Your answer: 4:48:28
